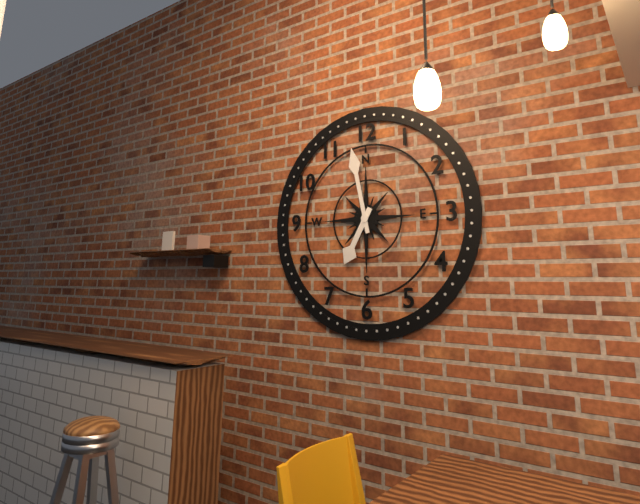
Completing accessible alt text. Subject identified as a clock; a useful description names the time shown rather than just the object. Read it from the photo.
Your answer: 6:58
